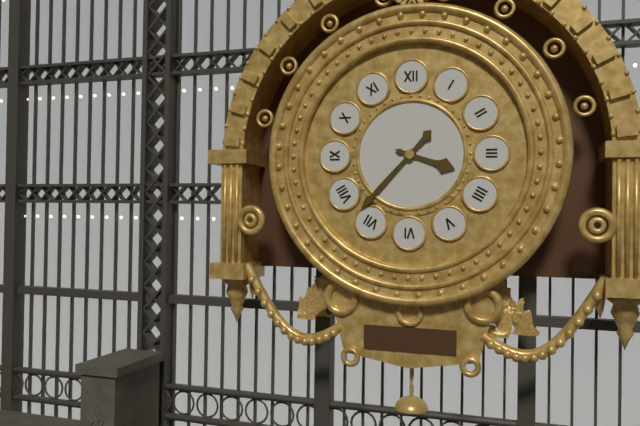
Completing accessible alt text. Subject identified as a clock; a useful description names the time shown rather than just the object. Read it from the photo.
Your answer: 3:37
